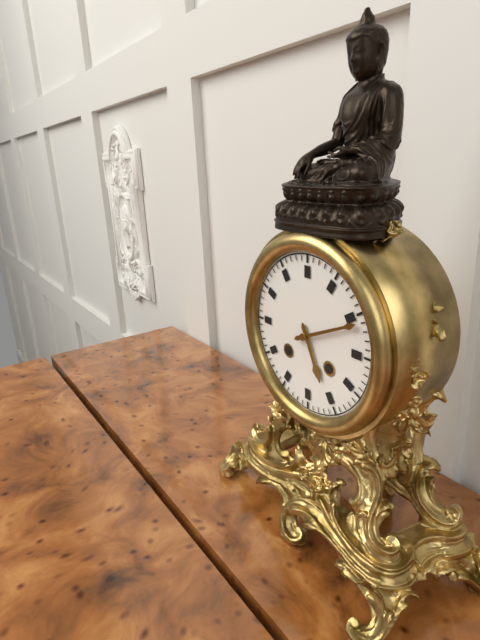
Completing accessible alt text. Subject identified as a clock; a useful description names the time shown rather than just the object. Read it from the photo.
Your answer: 5:11
